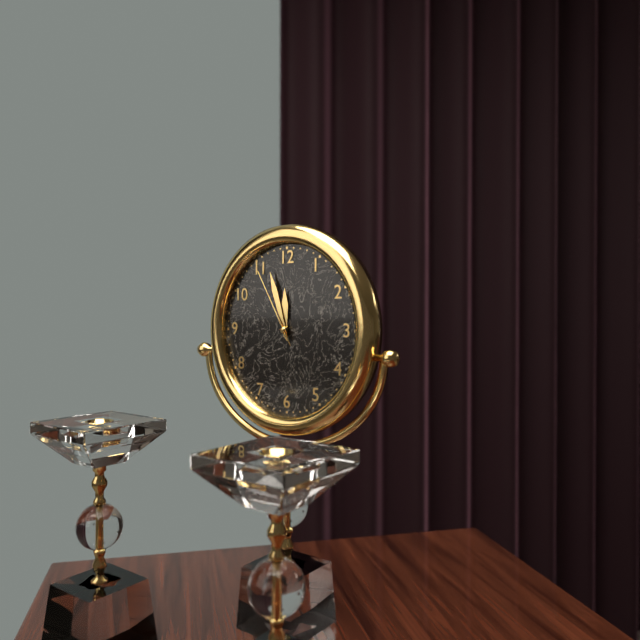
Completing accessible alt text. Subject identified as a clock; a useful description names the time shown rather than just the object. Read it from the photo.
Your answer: 11:57:55
